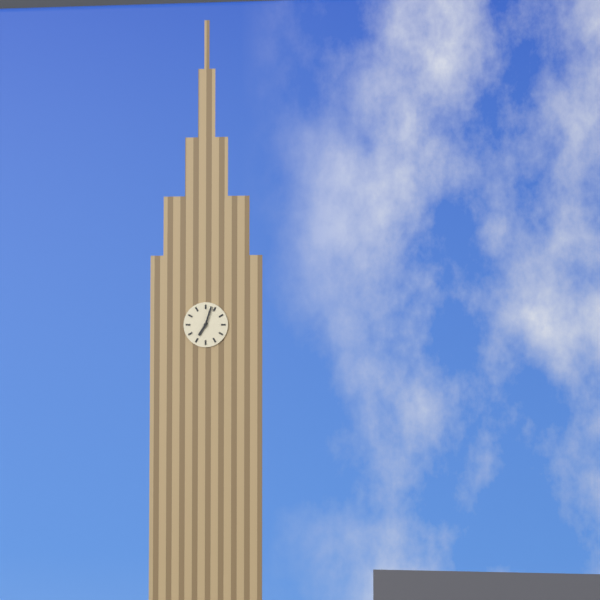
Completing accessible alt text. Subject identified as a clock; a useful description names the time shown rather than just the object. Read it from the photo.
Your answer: 7:03
